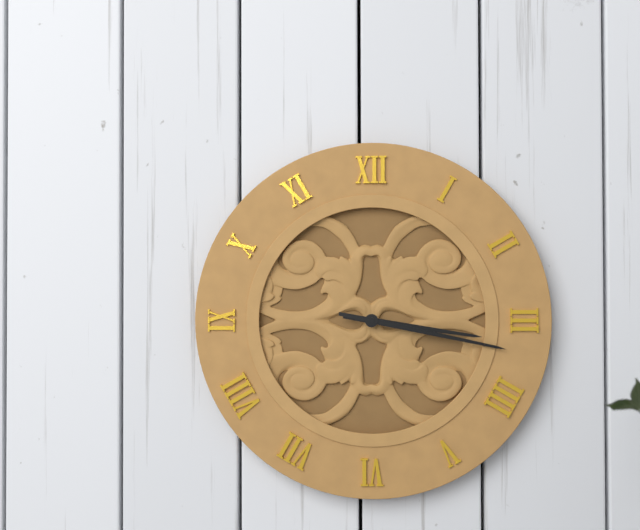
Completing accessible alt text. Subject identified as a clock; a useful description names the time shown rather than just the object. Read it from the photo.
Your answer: 3:17
